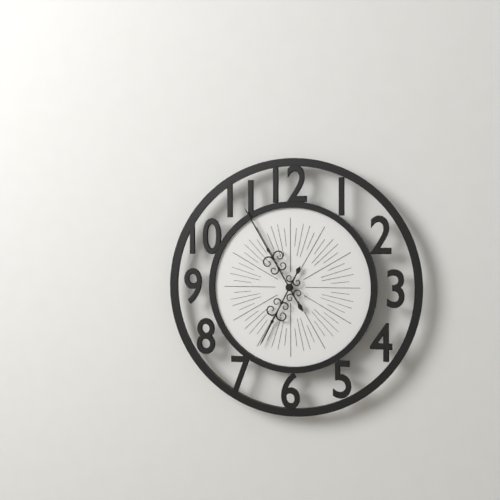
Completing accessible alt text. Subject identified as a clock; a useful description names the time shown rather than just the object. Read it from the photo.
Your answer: 6:55
